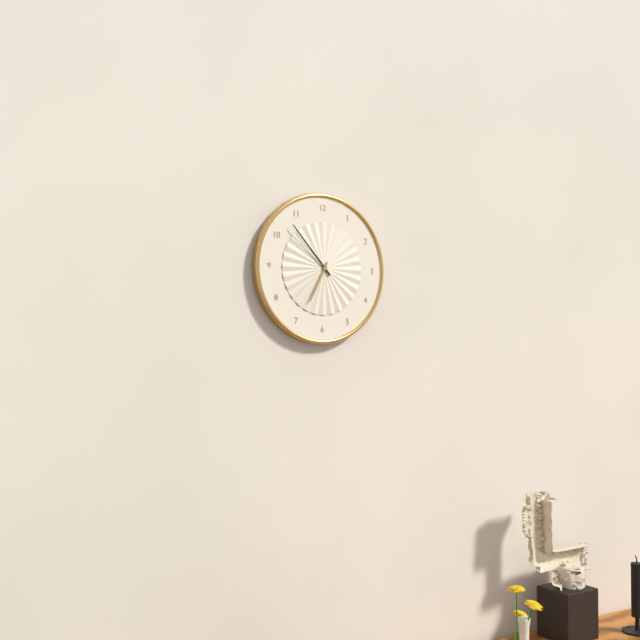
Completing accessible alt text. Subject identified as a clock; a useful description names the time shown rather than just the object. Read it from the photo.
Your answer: 6:53
